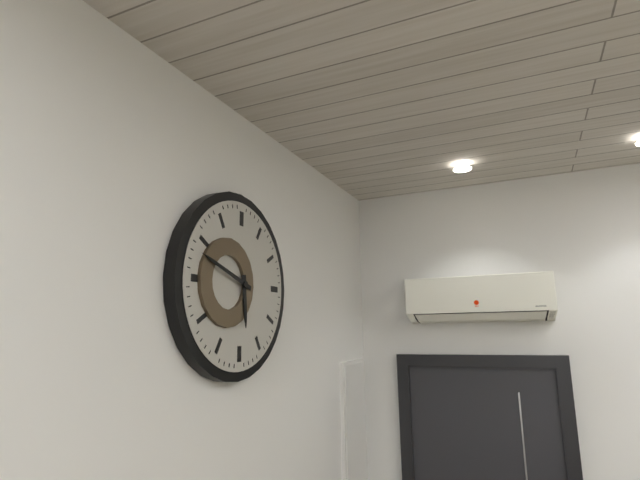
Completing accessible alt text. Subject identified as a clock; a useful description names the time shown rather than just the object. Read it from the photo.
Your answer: 5:48
